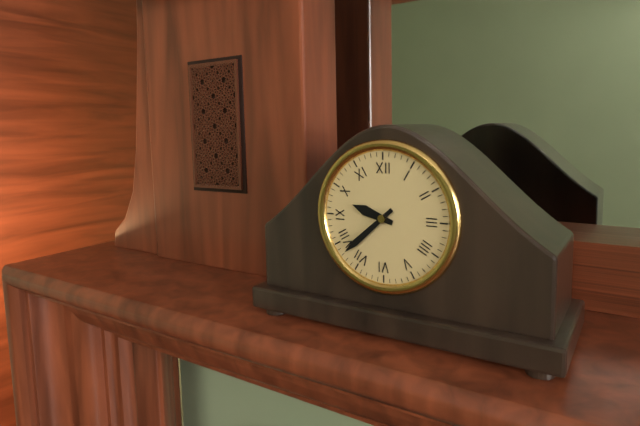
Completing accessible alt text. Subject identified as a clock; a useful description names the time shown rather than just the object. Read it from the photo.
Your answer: 9:38
